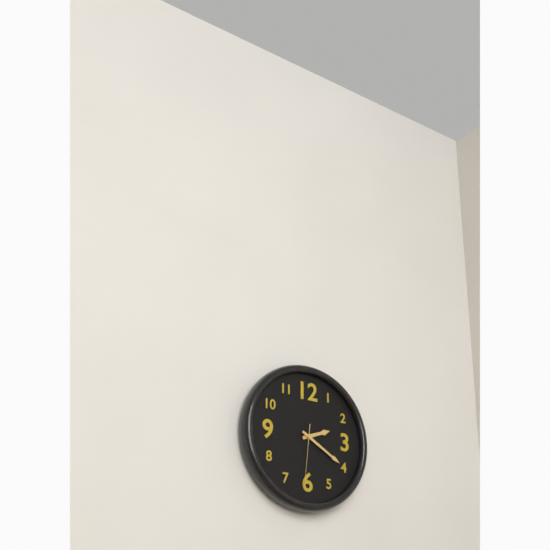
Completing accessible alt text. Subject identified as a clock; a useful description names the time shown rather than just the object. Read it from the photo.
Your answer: 2:20:31
